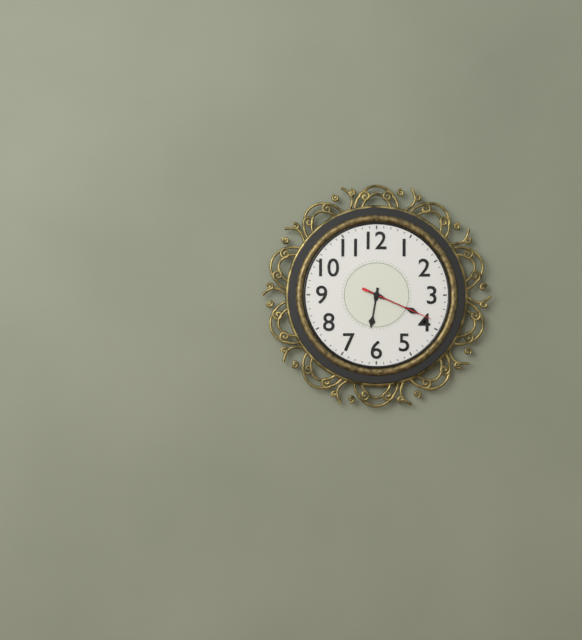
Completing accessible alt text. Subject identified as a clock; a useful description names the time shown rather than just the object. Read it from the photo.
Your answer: 6:19:19
